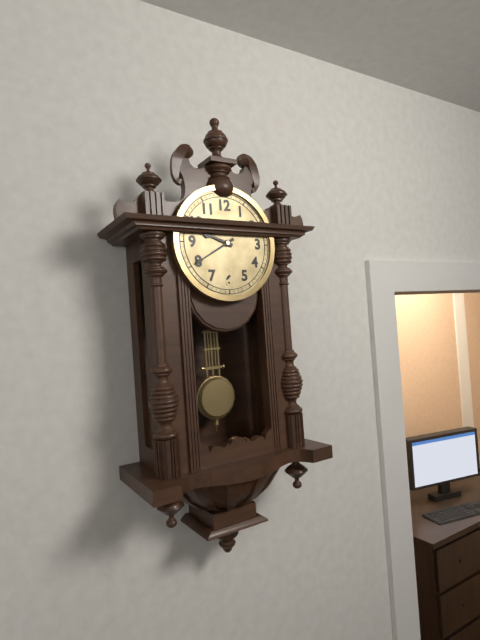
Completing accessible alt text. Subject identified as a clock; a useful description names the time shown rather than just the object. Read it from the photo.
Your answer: 9:40
